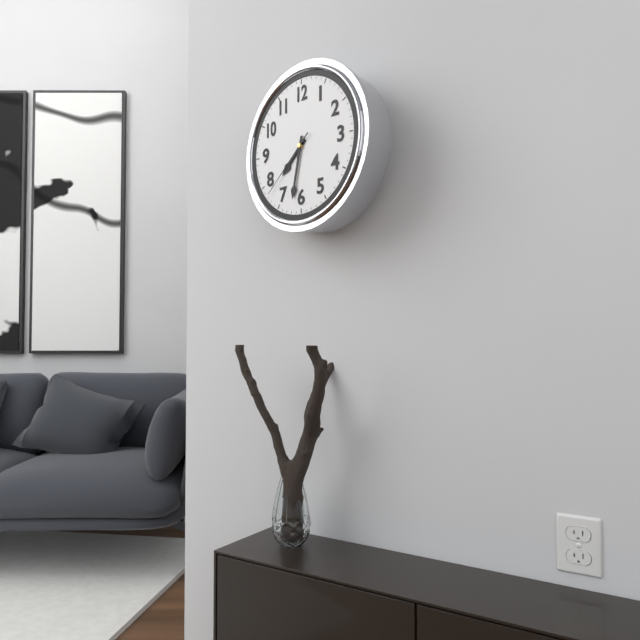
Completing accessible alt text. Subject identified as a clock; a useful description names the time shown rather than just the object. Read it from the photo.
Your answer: 7:32:38
